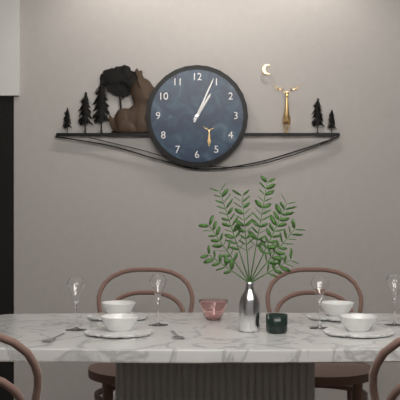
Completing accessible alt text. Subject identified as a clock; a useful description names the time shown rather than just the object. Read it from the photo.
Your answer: 1:04
